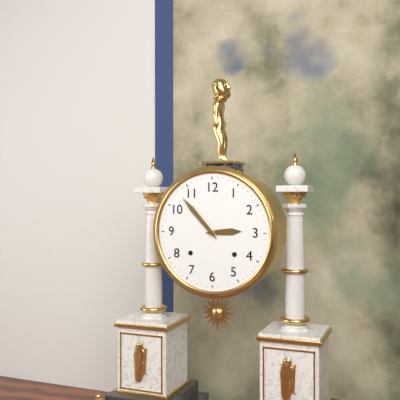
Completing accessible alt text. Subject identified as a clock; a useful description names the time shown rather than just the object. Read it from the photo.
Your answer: 2:53
